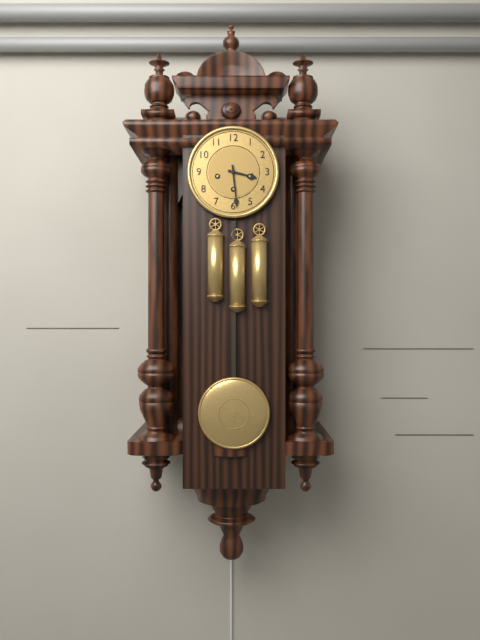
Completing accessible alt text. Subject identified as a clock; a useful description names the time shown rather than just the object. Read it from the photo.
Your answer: 3:29
